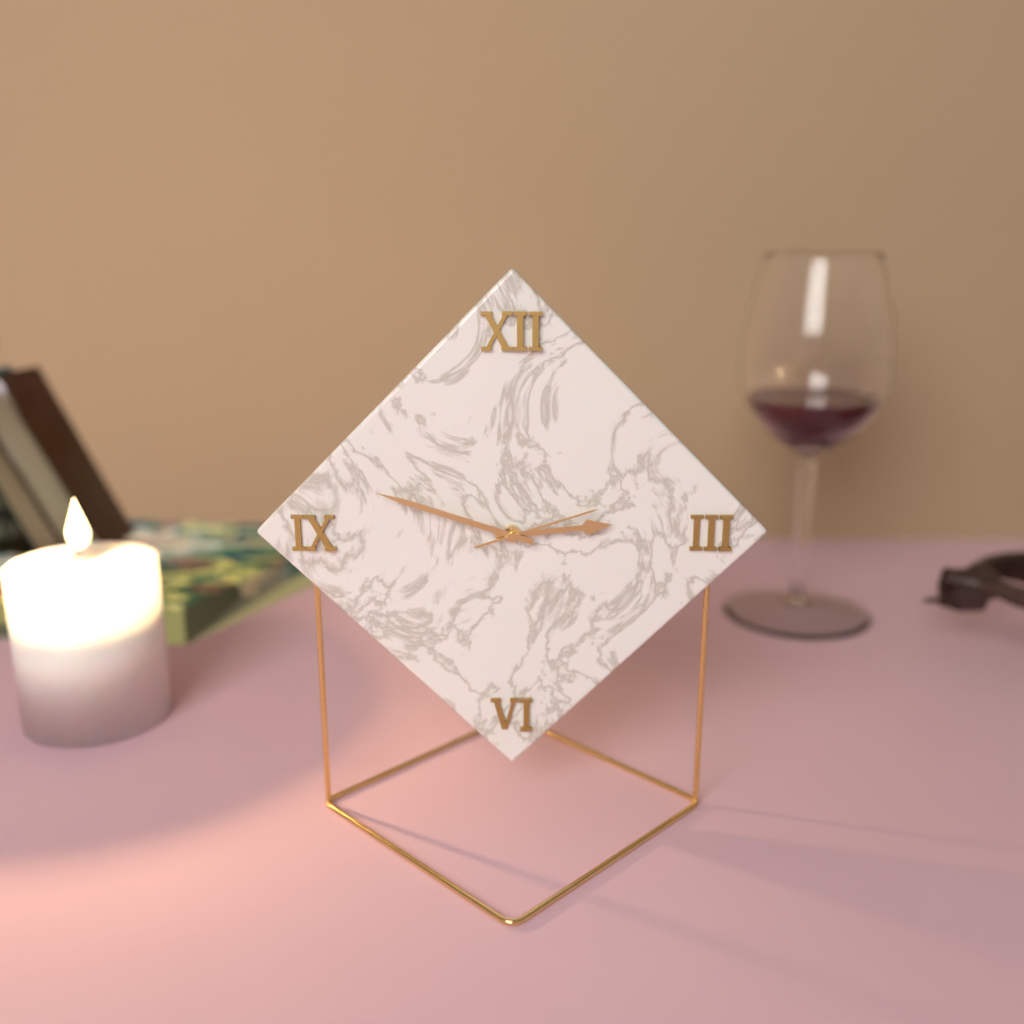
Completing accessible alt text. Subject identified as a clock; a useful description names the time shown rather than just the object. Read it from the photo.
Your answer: 2:48:12
